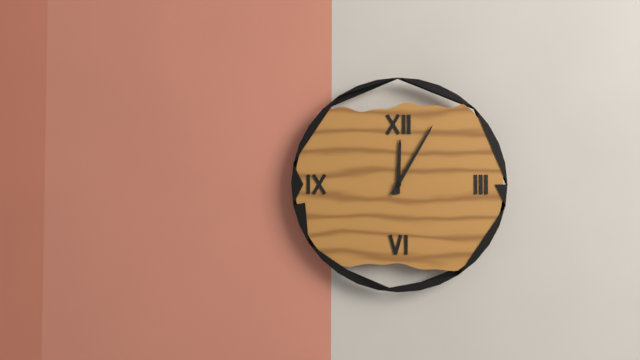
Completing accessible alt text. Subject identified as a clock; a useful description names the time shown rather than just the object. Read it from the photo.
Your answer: 12:05
